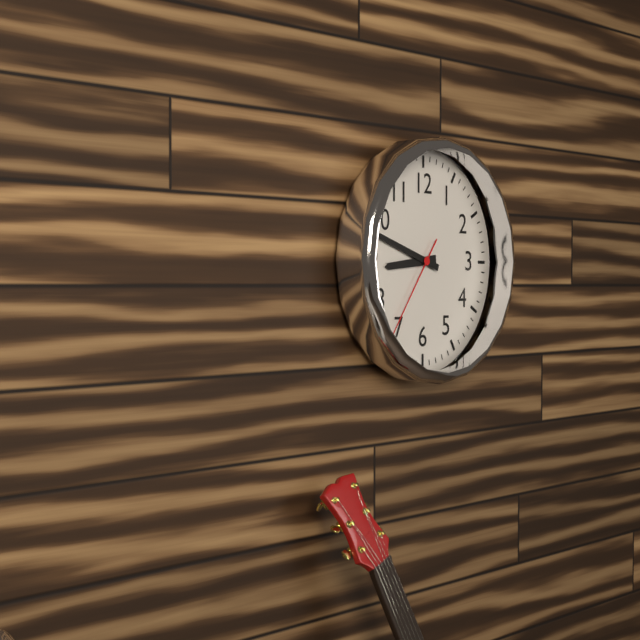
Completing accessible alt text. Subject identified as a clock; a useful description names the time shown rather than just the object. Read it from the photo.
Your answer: 8:48:36
